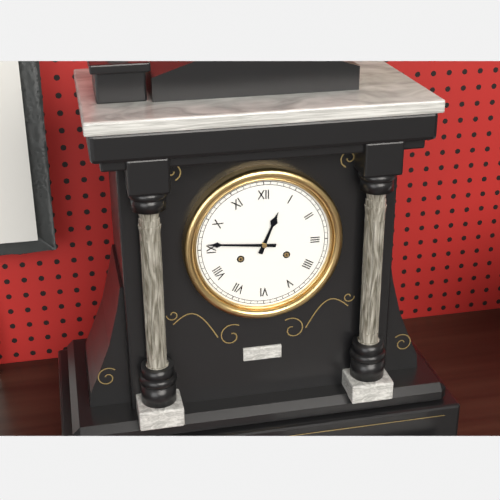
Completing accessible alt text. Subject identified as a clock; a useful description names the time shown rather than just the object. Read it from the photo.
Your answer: 12:46
